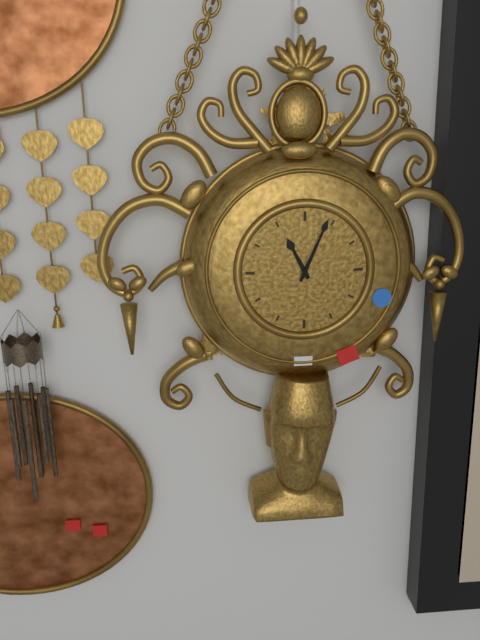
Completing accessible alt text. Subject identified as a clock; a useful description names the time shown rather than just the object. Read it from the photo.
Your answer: 11:04
